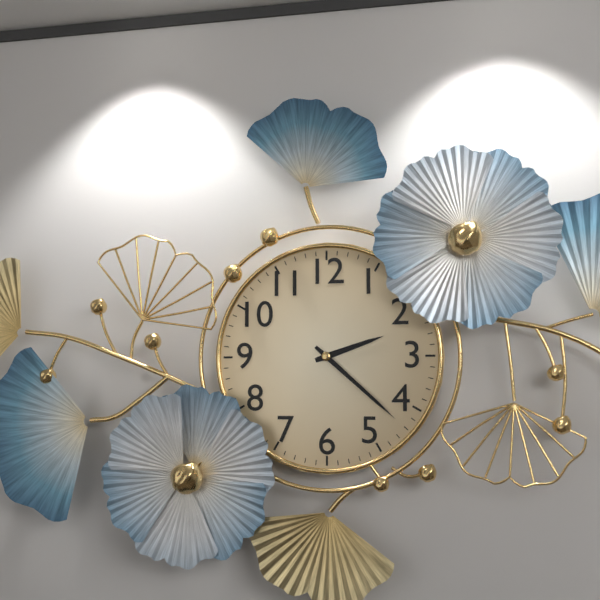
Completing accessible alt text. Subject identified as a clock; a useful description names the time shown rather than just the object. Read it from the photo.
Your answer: 2:22
